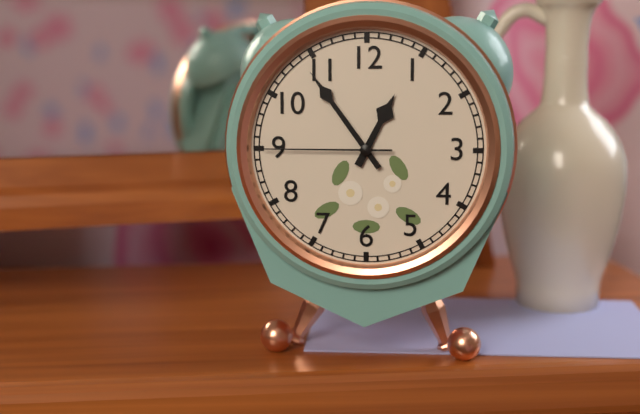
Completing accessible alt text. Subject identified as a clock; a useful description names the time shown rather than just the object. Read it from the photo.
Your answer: 12:54:45
